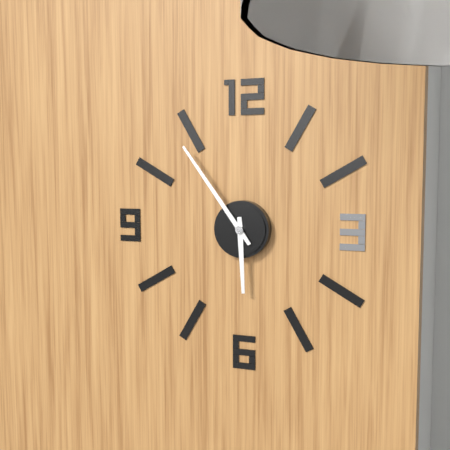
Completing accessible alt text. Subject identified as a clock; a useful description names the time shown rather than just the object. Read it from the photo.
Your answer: 5:54
